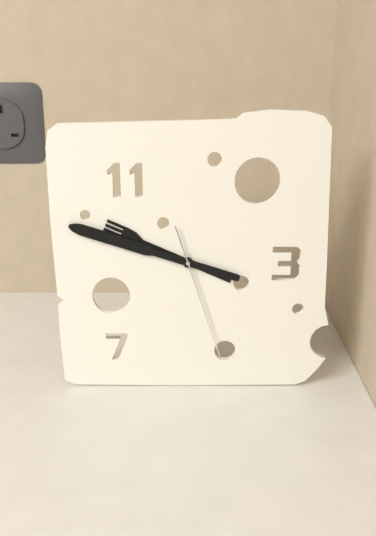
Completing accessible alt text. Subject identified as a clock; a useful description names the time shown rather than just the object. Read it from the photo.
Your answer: 9:48:27
